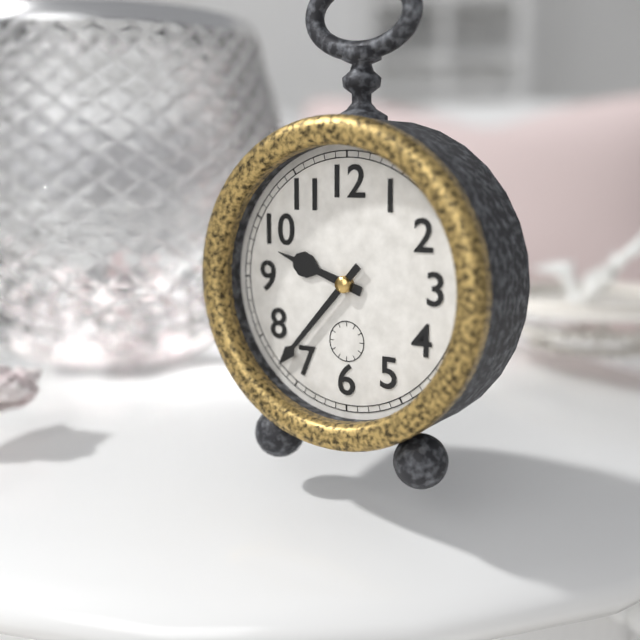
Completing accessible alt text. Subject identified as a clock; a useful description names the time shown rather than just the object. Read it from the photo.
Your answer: 9:37
